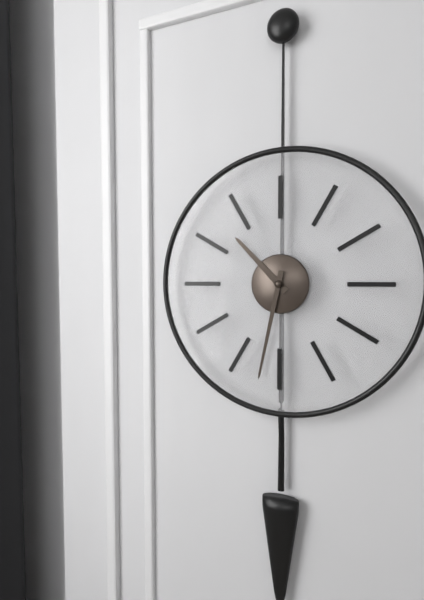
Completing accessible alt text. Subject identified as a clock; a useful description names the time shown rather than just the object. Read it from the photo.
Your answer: 10:32
